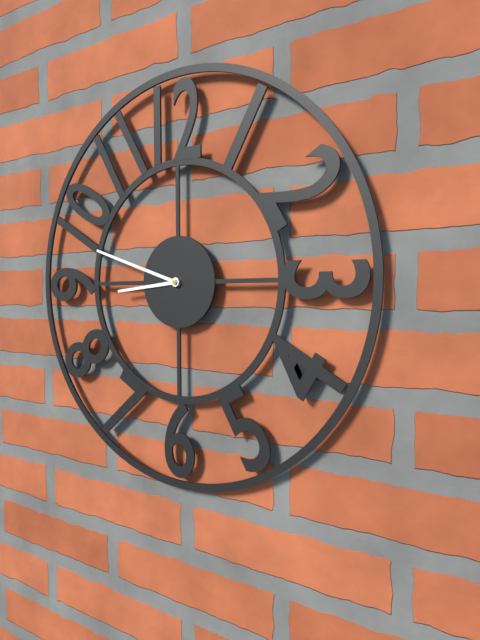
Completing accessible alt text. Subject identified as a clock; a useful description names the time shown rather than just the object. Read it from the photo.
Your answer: 8:48
